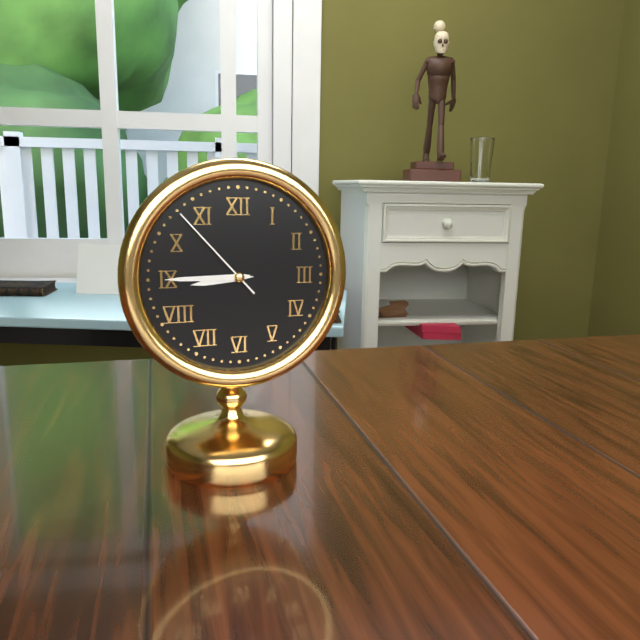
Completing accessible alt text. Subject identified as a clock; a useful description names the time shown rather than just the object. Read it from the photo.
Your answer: 8:45:53
